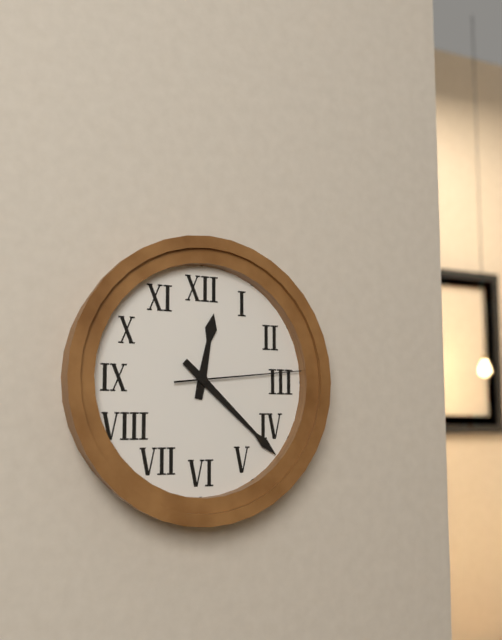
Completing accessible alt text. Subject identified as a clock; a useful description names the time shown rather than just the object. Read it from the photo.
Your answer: 12:22:14
